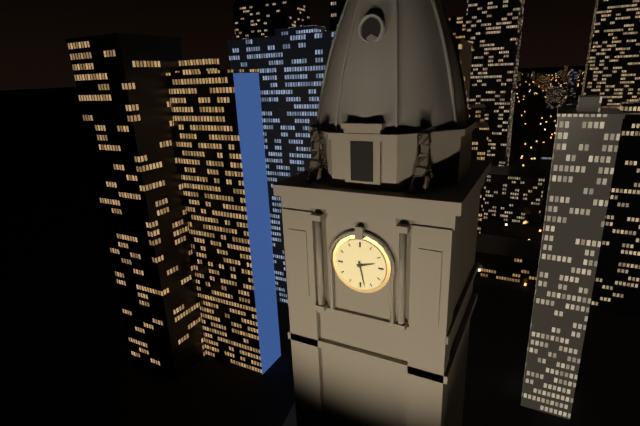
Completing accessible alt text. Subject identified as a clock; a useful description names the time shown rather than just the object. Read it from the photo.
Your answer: 2:28
